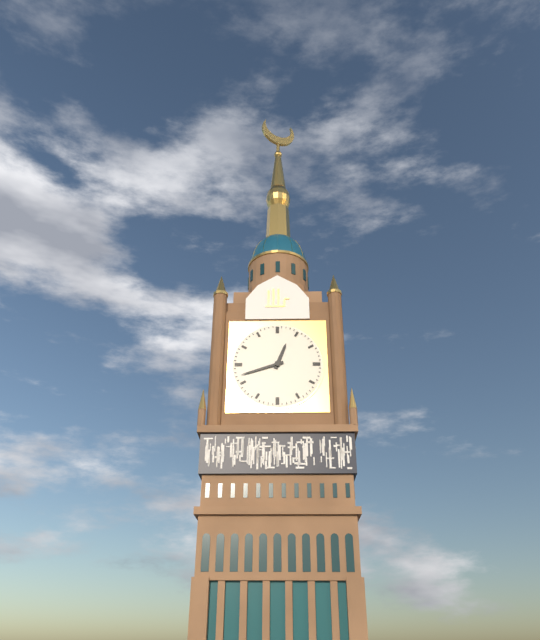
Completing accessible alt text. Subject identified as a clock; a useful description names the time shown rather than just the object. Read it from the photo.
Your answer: 12:42
